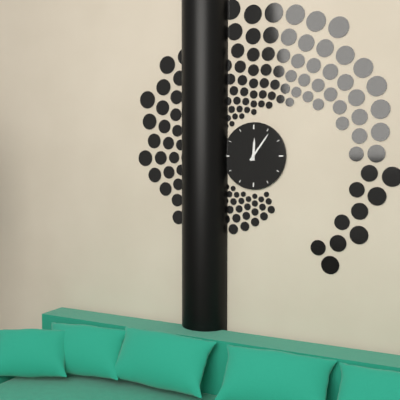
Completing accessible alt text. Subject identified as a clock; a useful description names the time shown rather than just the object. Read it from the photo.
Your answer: 12:06
